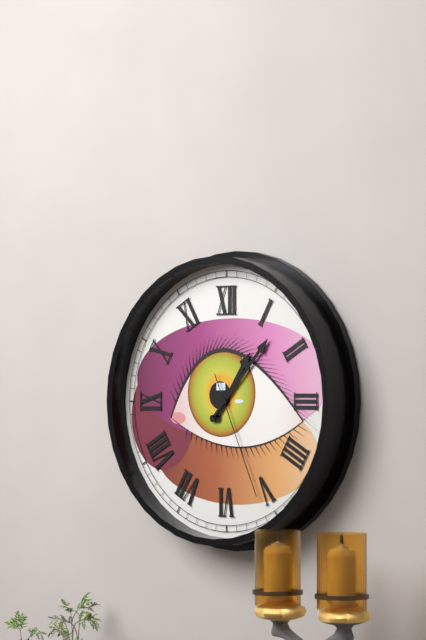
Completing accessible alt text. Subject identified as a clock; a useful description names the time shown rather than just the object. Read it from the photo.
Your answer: 1:07:26
